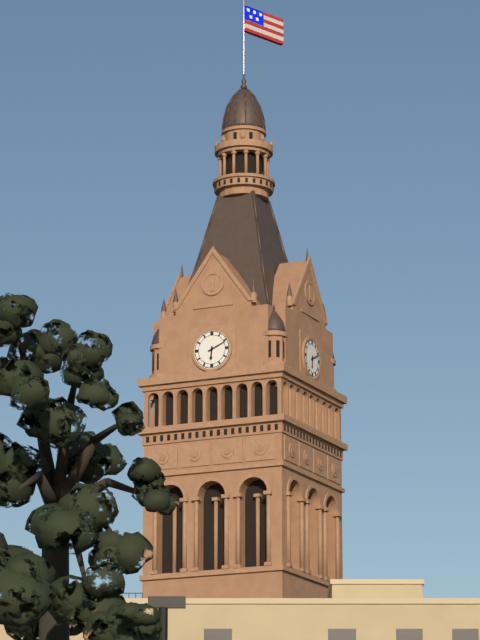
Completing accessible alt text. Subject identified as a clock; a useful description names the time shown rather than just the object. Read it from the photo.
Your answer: 6:11
